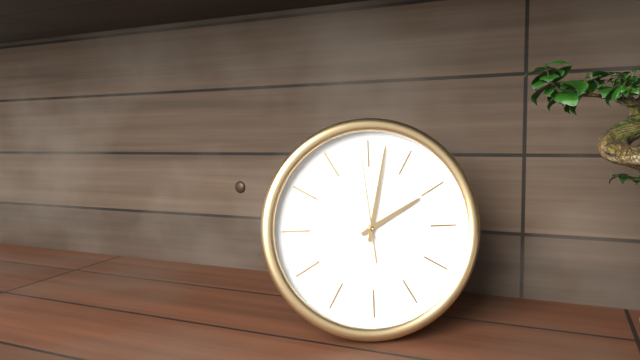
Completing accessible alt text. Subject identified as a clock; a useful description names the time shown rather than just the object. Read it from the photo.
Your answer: 2:02:59
